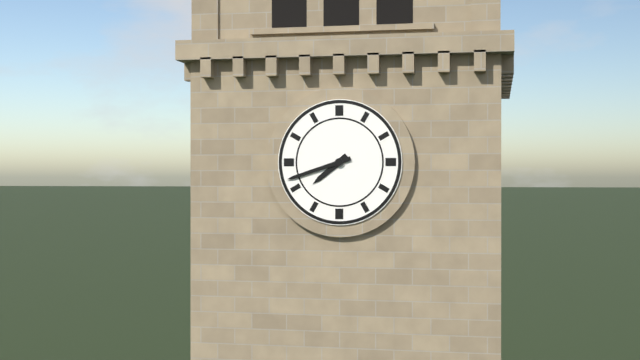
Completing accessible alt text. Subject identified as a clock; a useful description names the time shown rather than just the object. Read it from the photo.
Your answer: 7:42
